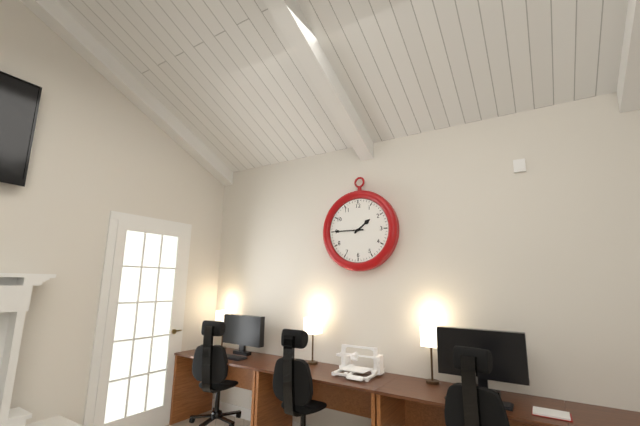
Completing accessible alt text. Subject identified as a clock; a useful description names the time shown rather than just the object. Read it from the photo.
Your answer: 1:45
